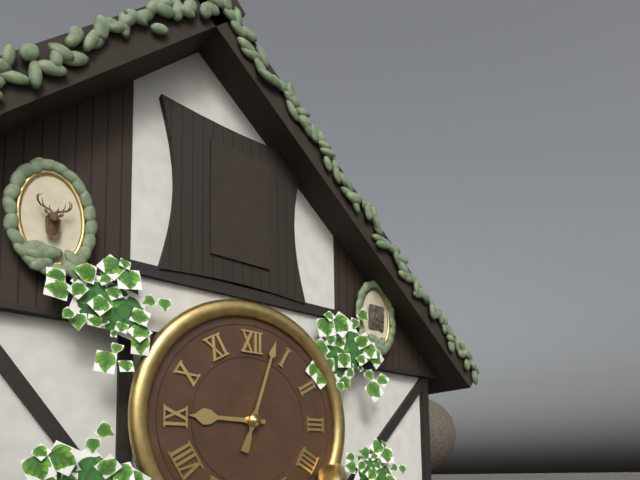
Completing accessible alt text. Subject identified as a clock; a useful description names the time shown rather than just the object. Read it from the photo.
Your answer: 9:03
